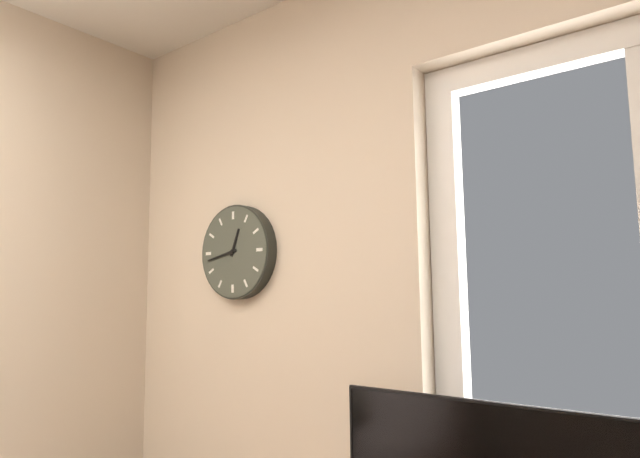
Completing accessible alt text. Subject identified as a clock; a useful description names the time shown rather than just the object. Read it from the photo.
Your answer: 12:43
